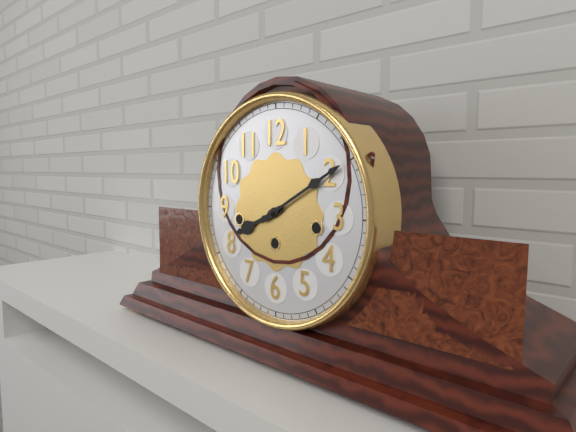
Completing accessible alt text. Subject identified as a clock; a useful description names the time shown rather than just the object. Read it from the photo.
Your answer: 8:10
